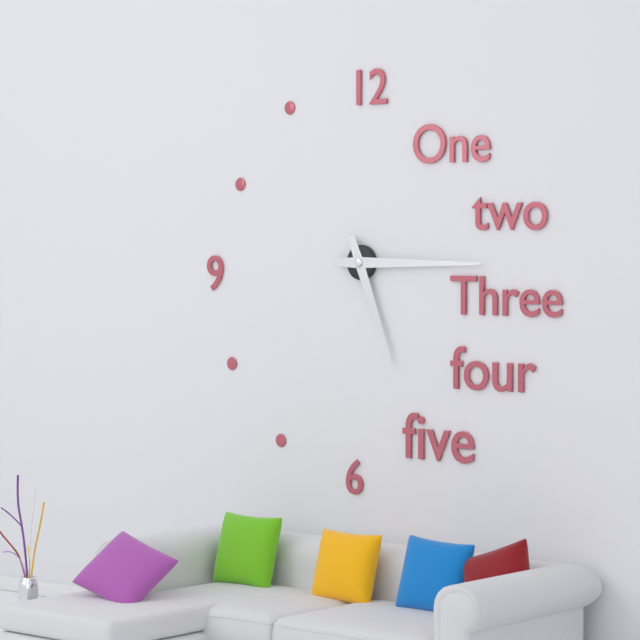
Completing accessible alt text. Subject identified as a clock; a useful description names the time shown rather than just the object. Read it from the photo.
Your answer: 5:15
